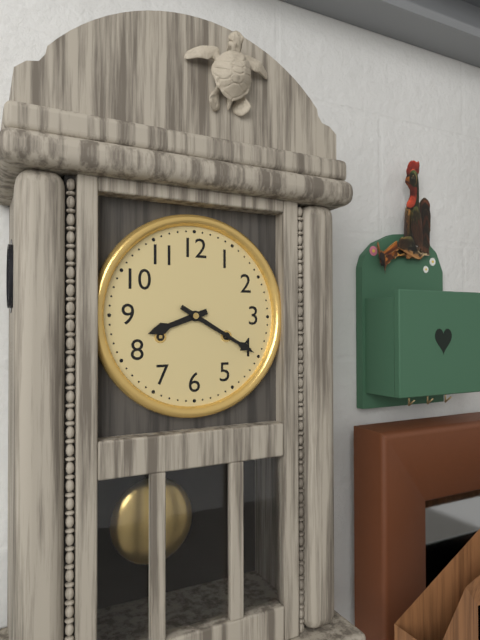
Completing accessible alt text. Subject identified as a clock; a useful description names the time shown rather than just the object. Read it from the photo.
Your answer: 8:20
